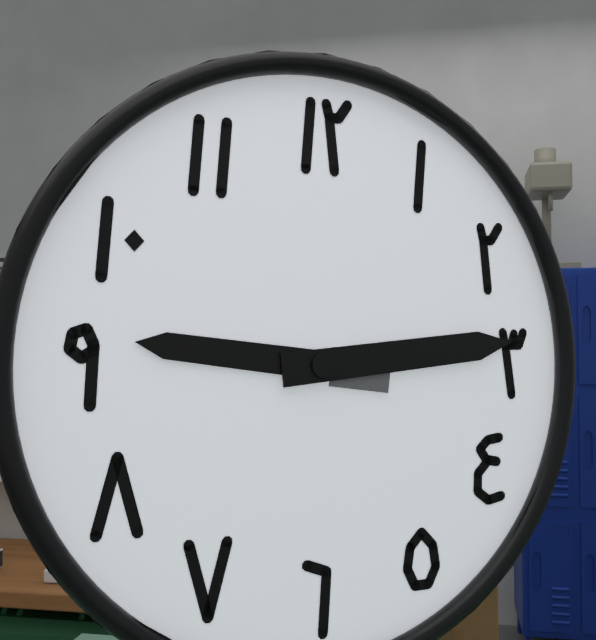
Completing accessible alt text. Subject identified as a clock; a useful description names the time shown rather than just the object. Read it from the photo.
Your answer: 9:14
